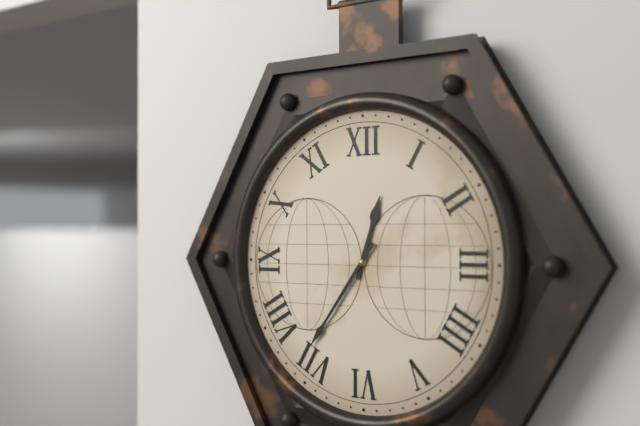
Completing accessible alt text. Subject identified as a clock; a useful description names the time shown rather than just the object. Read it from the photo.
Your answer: 12:36
